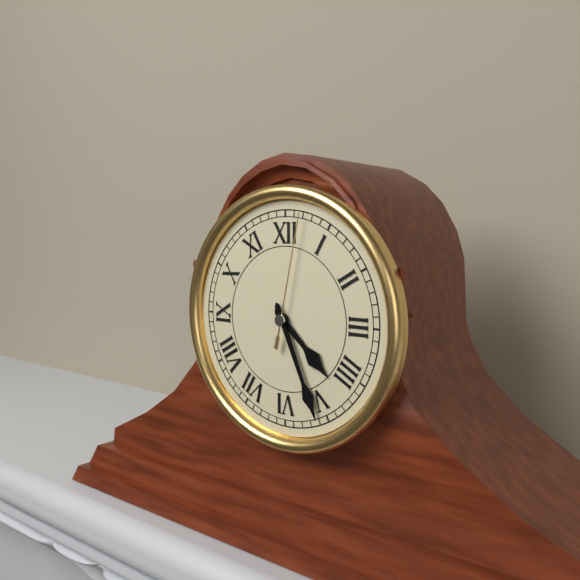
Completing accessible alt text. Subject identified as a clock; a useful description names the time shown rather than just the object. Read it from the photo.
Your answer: 4:26:02
